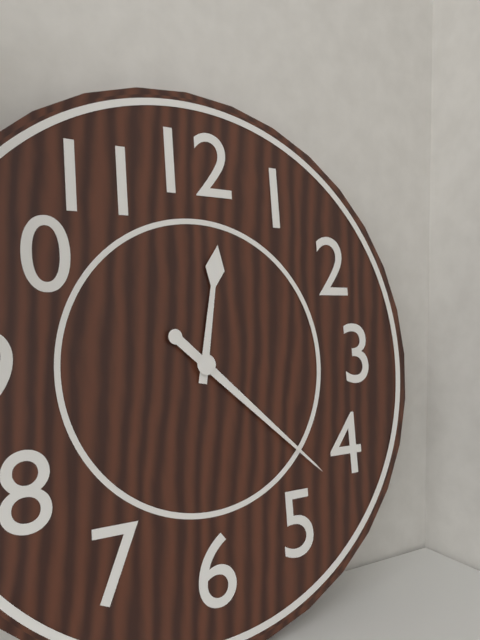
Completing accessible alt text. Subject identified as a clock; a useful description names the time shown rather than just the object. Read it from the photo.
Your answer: 12:22
